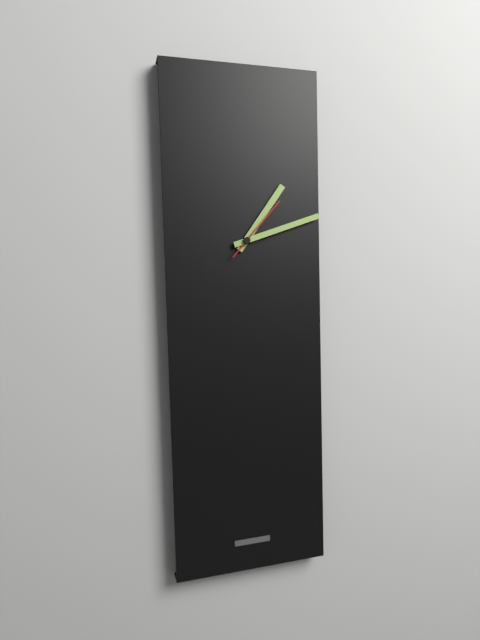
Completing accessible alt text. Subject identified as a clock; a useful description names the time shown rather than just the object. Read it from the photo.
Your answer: 1:12:07
